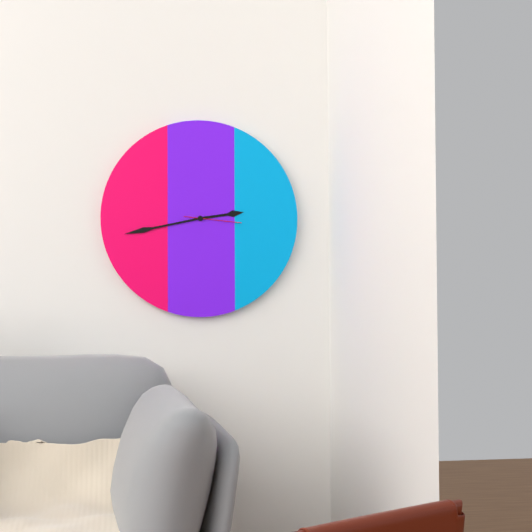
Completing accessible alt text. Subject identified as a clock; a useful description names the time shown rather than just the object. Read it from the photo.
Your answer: 2:43:16
